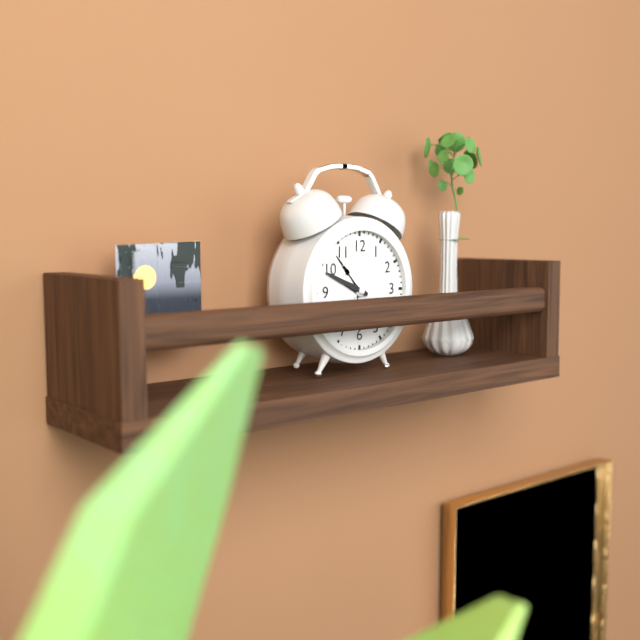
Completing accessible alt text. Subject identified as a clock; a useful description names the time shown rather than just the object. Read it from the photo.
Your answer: 9:49
